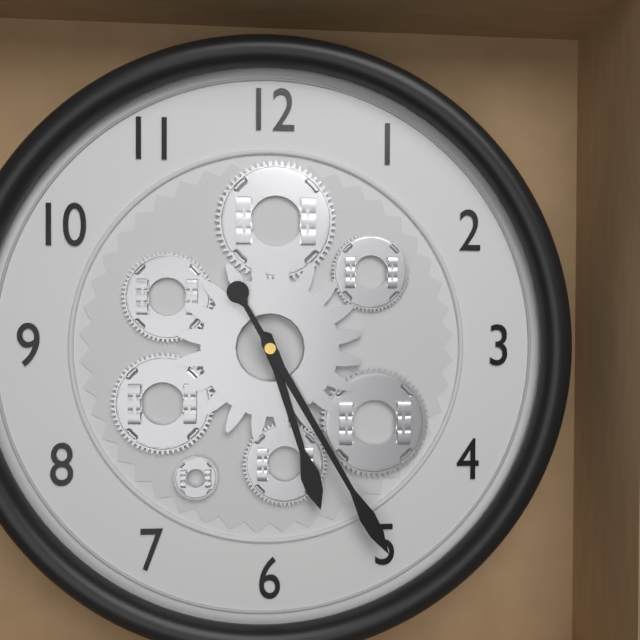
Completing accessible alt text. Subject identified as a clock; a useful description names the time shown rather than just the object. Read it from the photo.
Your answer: 5:25
